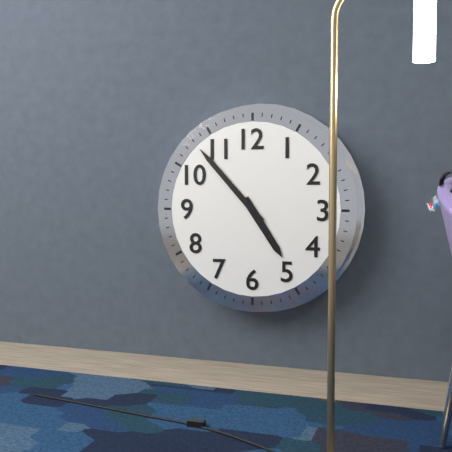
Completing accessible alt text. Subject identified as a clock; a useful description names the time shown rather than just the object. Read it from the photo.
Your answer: 4:53
